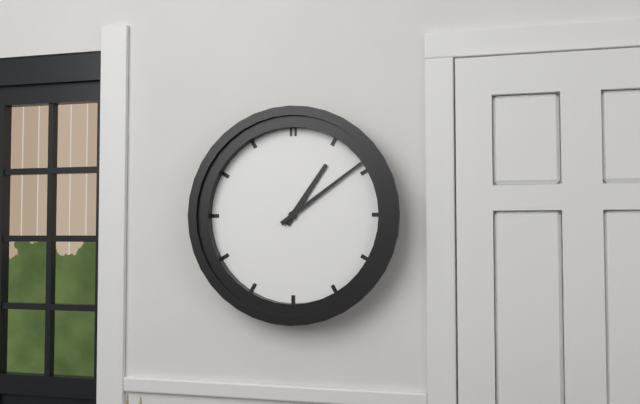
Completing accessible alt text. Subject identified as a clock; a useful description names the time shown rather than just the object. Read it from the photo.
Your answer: 1:09
